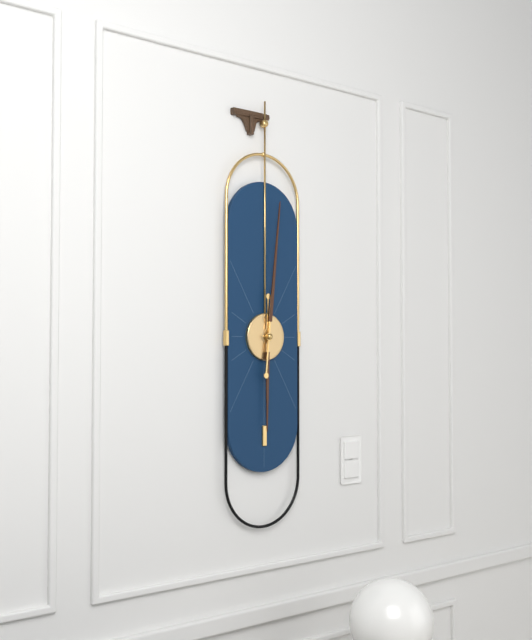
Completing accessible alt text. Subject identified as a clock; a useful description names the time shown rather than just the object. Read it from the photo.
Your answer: 6:01
